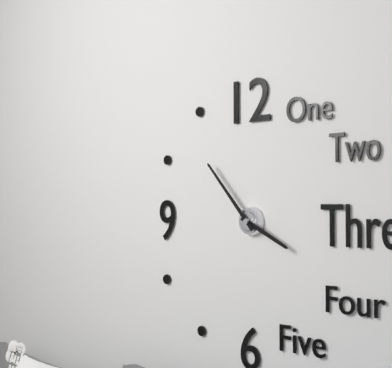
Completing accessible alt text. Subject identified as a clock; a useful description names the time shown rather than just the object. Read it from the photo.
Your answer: 3:53
